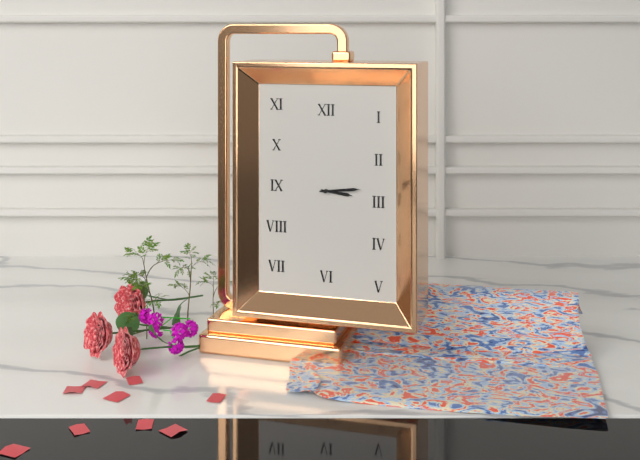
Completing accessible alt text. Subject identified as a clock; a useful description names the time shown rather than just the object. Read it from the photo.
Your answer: 3:14
